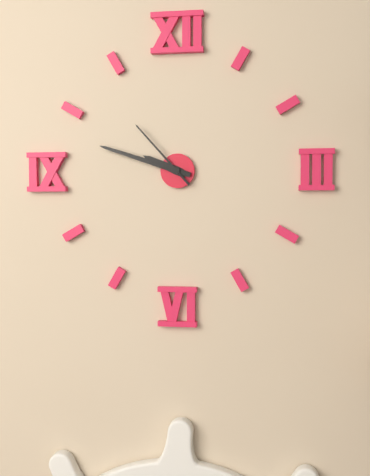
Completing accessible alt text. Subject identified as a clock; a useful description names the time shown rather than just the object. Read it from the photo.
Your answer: 9:48:53
